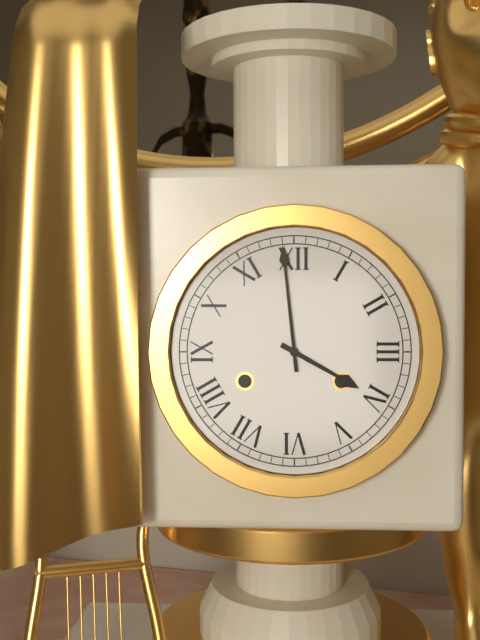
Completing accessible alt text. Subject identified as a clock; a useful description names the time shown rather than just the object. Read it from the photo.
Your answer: 3:59
